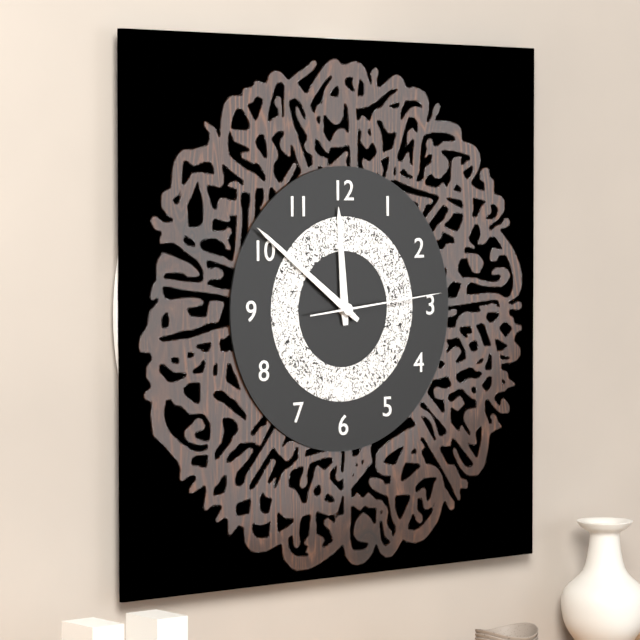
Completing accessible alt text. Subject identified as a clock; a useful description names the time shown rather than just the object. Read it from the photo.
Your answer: 11:51:14
